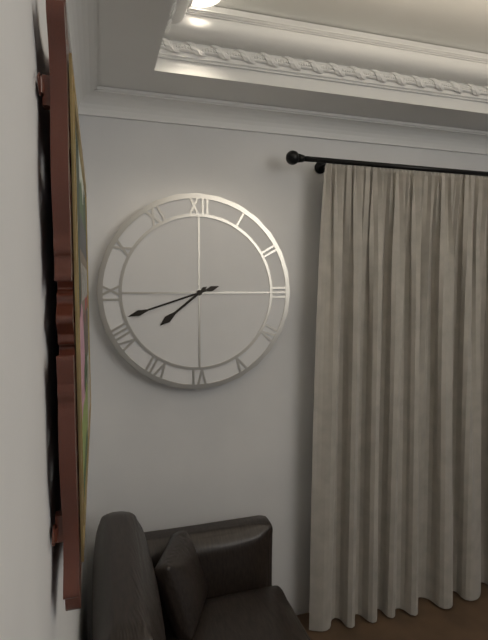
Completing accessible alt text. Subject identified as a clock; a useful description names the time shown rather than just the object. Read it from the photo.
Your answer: 7:42
